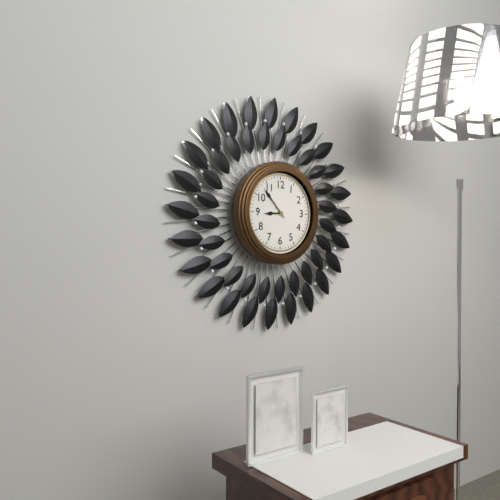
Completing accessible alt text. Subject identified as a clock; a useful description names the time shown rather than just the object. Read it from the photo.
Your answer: 8:53
